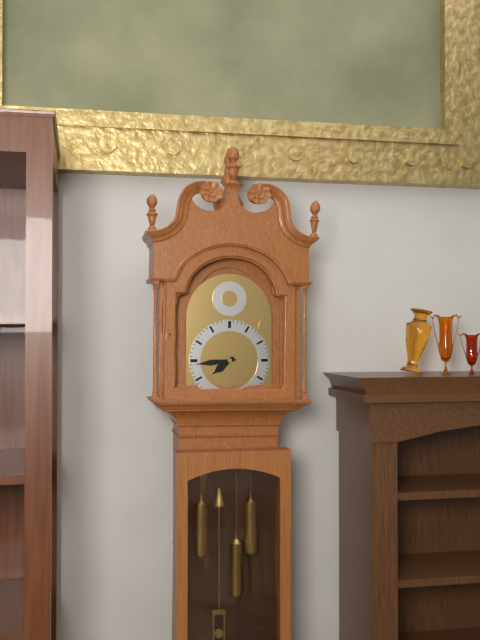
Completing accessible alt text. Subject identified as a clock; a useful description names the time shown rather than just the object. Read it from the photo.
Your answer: 7:44
